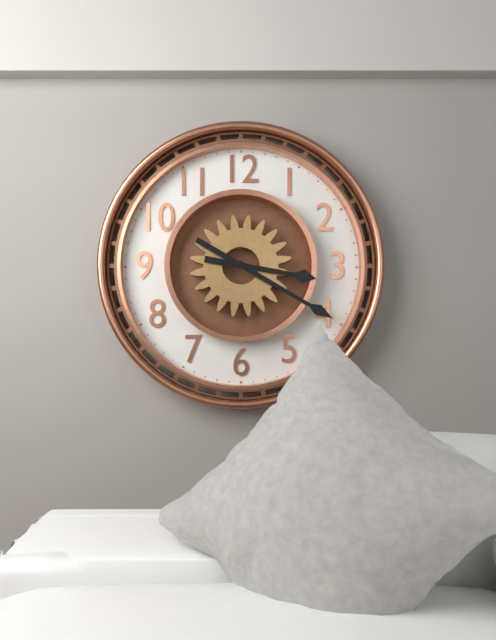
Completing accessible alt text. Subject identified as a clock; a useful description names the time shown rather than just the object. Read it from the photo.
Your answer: 3:20
